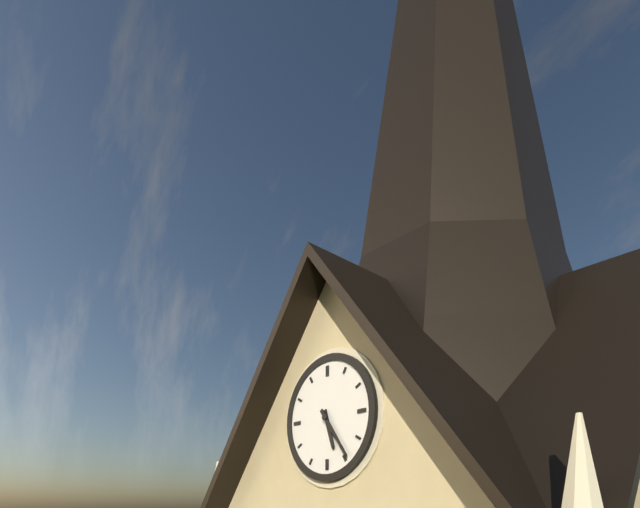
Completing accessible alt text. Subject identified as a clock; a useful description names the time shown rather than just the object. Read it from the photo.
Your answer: 5:24
